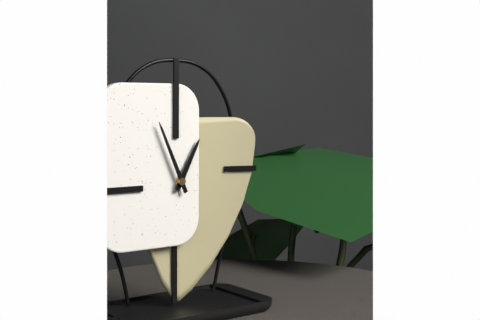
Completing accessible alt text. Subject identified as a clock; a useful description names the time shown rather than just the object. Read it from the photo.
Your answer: 12:56
